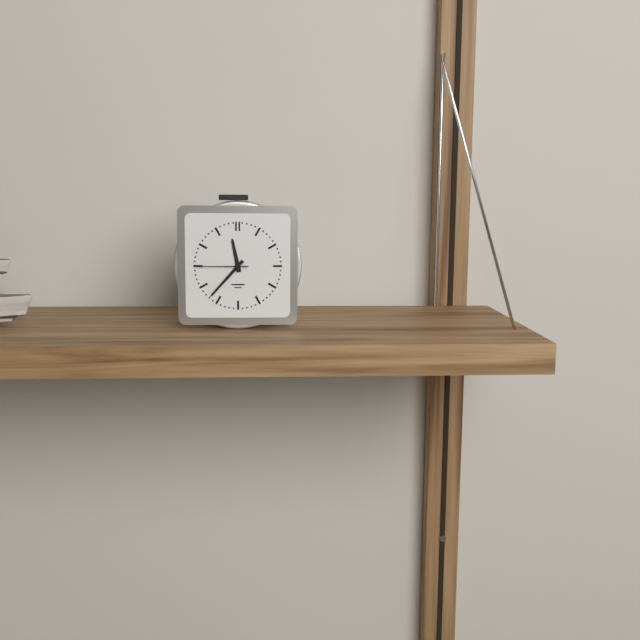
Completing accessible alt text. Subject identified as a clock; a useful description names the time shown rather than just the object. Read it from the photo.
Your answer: 11:37:45
